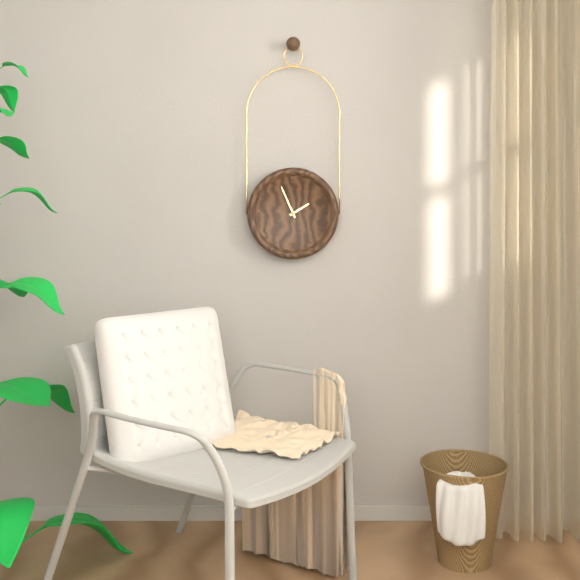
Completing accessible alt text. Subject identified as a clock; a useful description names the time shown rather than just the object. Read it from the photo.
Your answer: 1:56
